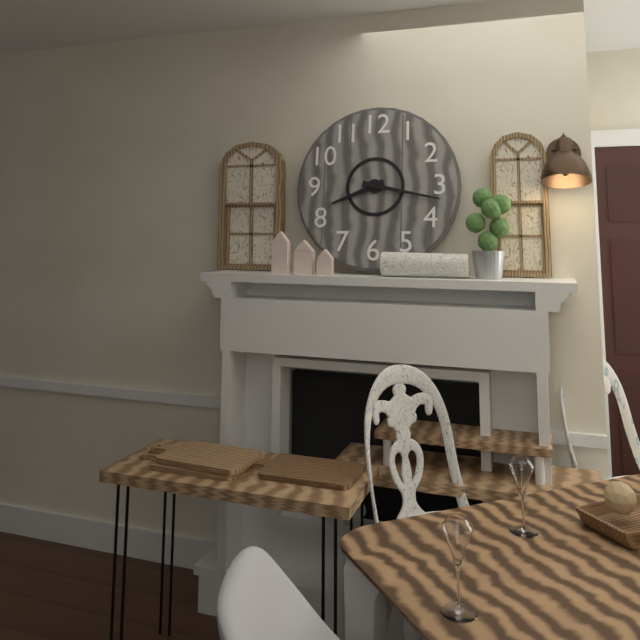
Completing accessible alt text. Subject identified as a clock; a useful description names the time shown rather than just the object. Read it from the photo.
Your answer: 8:17
